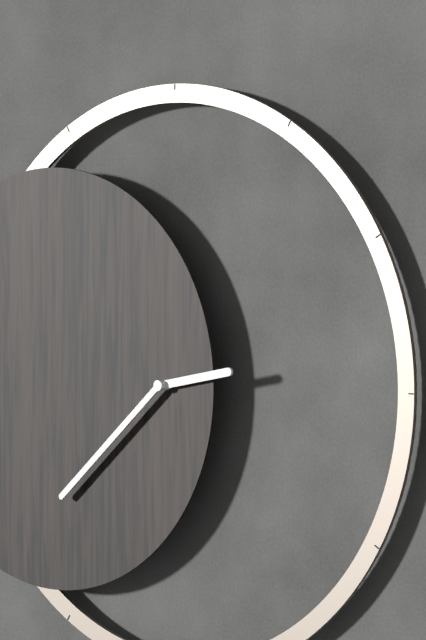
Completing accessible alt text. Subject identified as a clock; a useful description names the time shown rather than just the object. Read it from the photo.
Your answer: 2:38
